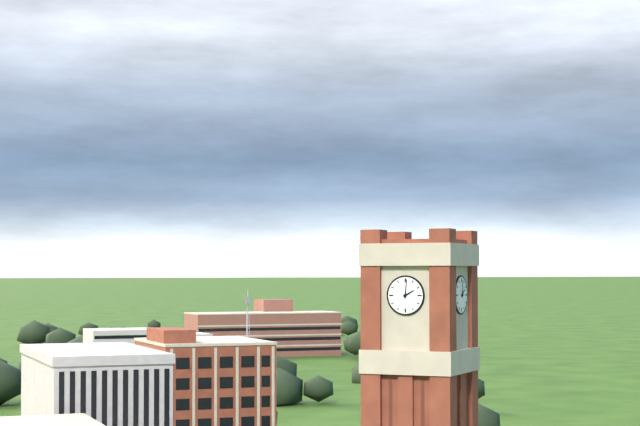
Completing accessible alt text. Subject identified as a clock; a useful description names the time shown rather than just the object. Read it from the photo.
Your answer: 2:01
